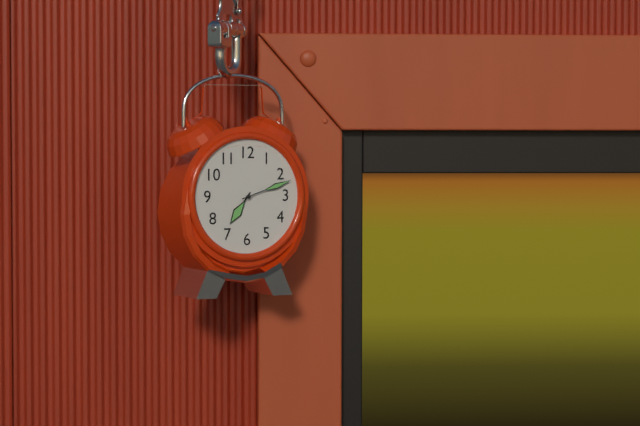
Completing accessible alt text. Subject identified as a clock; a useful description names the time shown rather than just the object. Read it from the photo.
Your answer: 7:12
